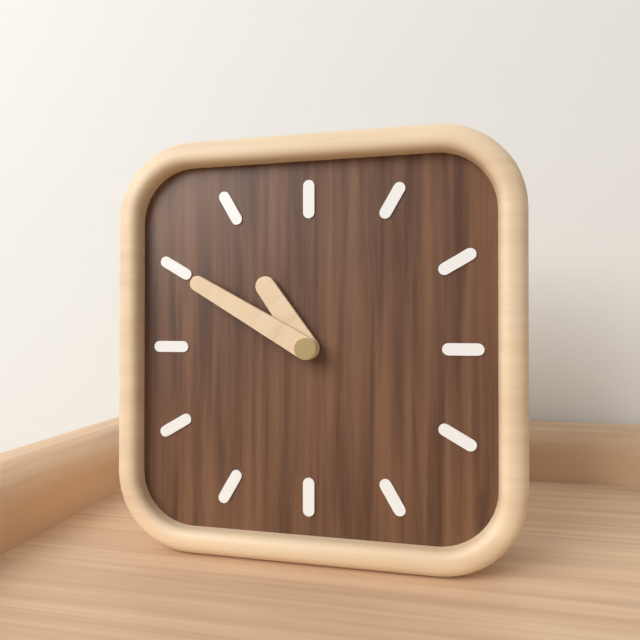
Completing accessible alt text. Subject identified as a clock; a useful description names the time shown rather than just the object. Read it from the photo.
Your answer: 10:50
